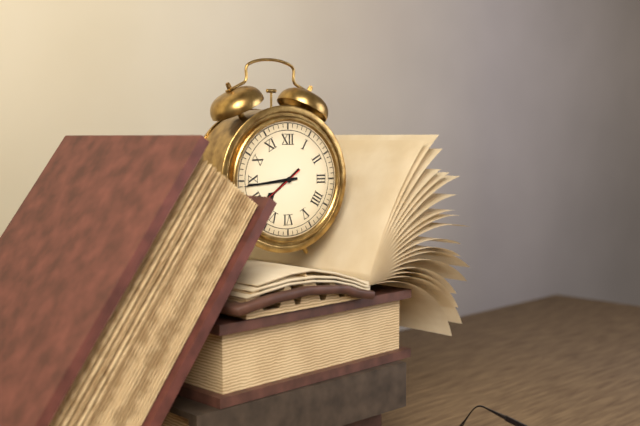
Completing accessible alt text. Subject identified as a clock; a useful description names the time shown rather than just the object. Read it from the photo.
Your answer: 7:44
